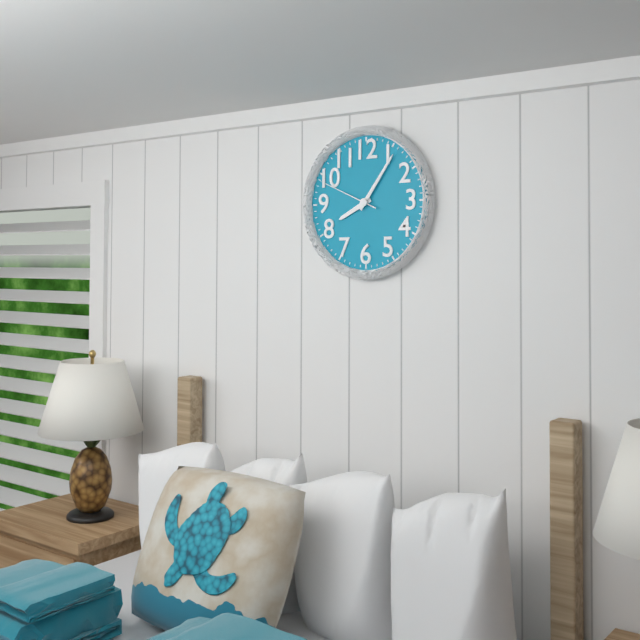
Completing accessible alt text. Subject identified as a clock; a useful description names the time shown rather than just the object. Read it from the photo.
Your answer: 8:06:49
